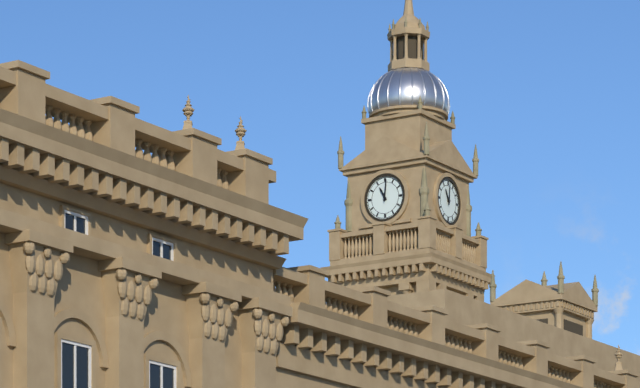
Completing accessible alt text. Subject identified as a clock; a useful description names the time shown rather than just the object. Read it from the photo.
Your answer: 11:01
